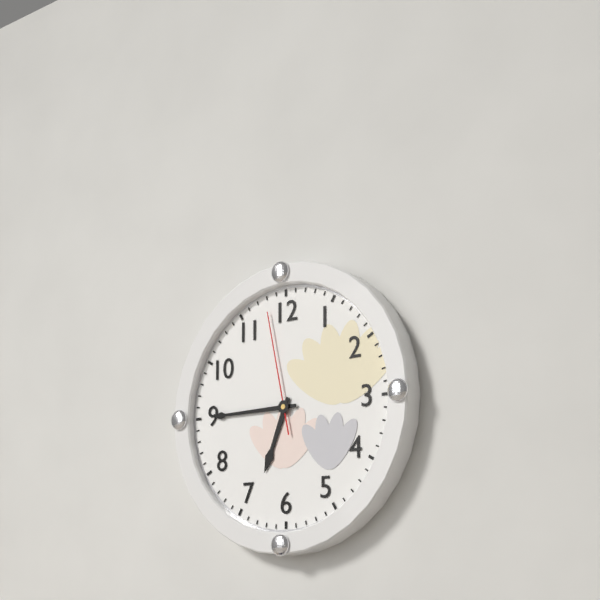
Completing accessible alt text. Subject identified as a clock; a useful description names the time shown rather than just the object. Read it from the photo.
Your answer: 6:45:58
